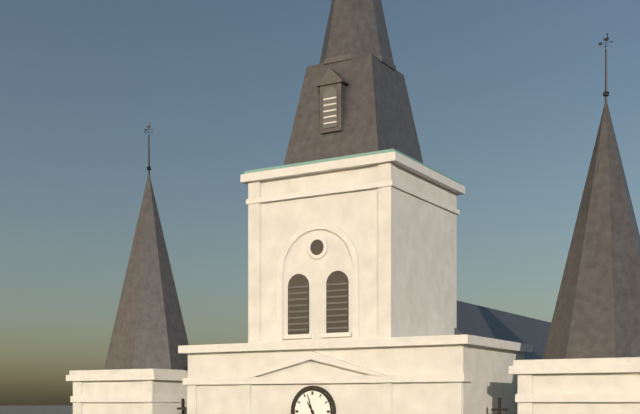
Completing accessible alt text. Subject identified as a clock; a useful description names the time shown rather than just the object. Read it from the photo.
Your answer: 10:57
